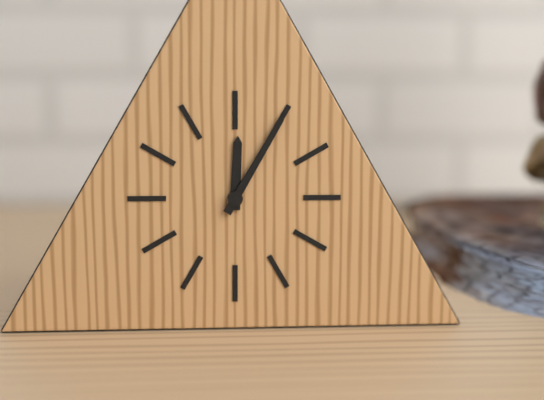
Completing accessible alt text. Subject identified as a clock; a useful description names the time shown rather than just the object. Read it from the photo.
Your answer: 12:05
